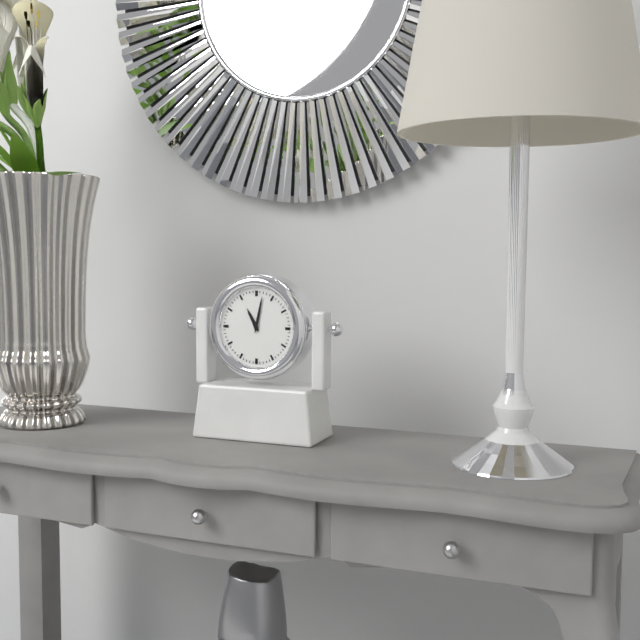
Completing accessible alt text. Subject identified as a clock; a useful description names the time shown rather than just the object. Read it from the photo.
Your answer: 11:02
